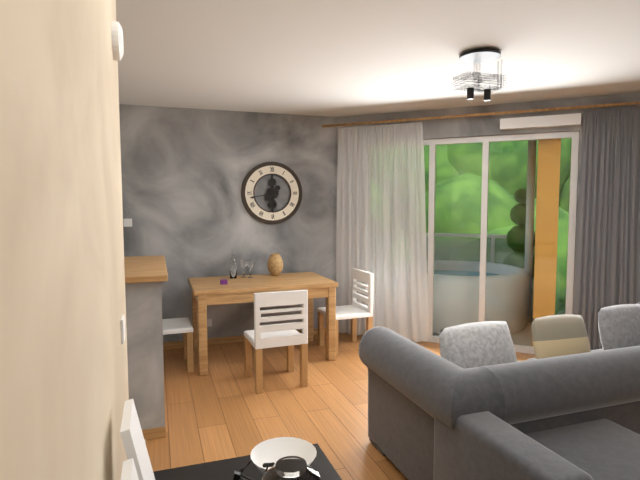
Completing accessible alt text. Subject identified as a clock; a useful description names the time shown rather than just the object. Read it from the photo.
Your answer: 5:43
